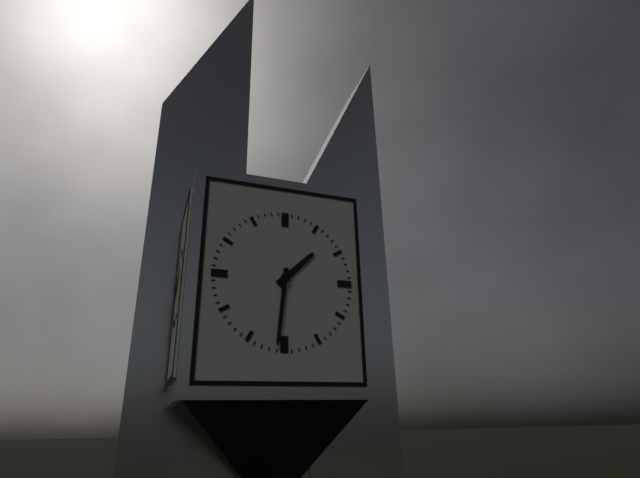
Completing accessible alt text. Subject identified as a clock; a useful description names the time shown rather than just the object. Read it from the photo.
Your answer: 1:31
